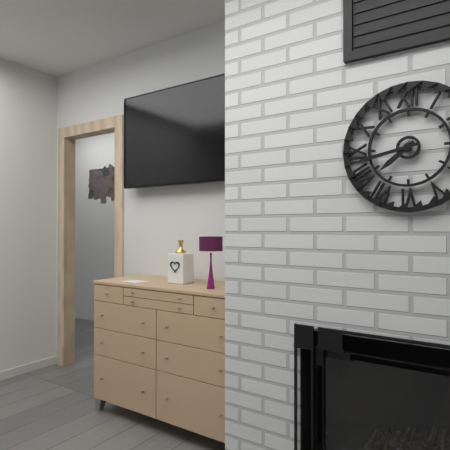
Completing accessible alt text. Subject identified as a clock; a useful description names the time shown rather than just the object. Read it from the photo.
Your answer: 7:43
